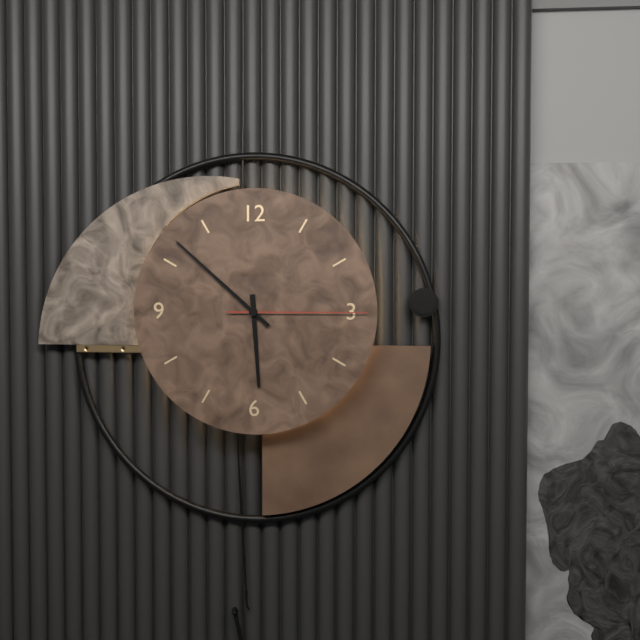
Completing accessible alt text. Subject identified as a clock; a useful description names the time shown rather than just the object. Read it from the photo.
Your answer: 5:52:15
